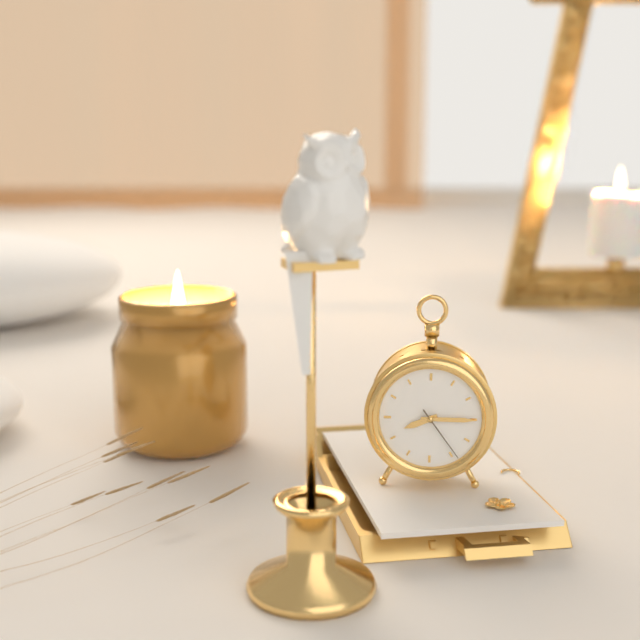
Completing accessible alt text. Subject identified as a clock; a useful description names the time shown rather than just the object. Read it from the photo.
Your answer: 8:15:24
